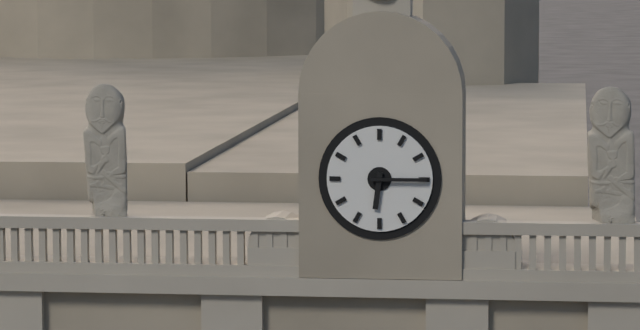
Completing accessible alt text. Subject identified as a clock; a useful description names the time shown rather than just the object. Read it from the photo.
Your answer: 6:15
